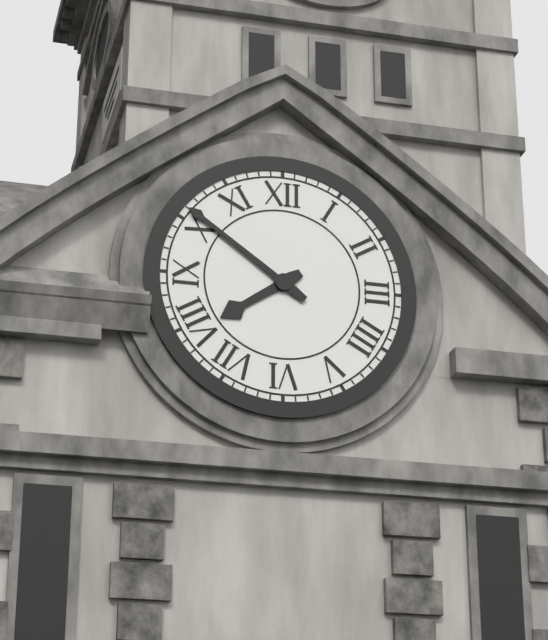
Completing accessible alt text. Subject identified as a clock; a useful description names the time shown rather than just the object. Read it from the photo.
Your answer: 7:51
